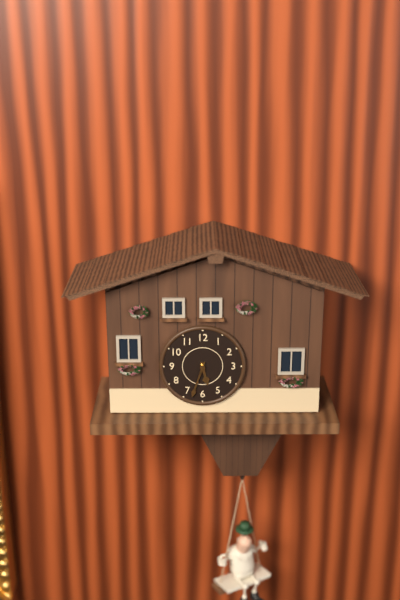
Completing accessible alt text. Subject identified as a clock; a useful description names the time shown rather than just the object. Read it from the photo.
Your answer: 5:33
